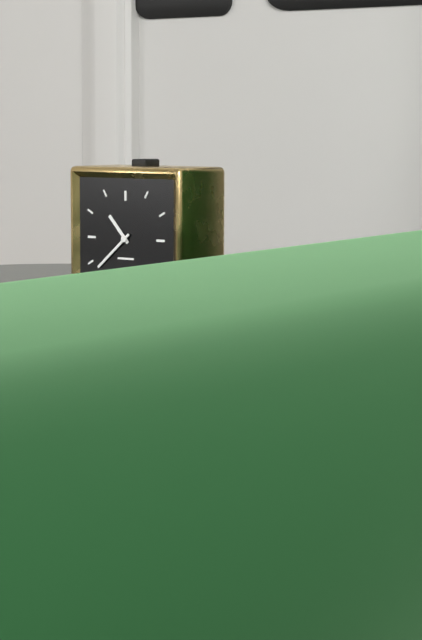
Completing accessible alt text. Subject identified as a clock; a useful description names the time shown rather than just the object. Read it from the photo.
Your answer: 10:38
